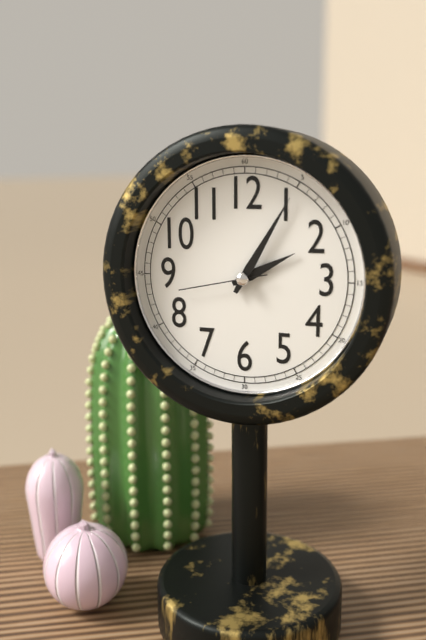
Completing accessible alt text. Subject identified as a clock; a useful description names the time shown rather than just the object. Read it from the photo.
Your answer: 2:05:43
